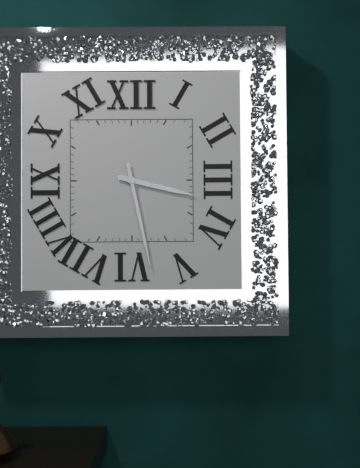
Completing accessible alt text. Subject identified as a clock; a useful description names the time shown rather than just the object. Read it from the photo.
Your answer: 3:28
